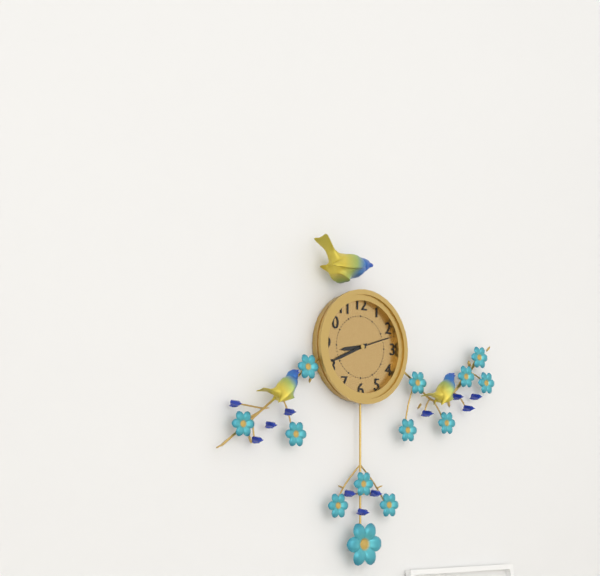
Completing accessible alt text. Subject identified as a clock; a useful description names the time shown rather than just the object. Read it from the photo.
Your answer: 8:41
